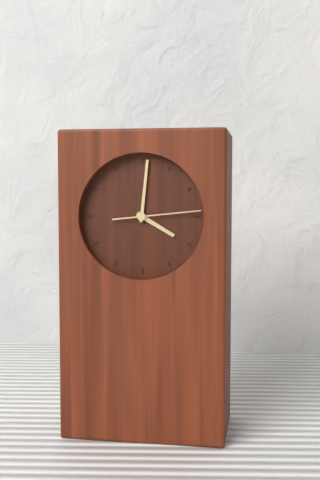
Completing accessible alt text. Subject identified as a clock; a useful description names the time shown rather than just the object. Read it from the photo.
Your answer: 4:01:14
